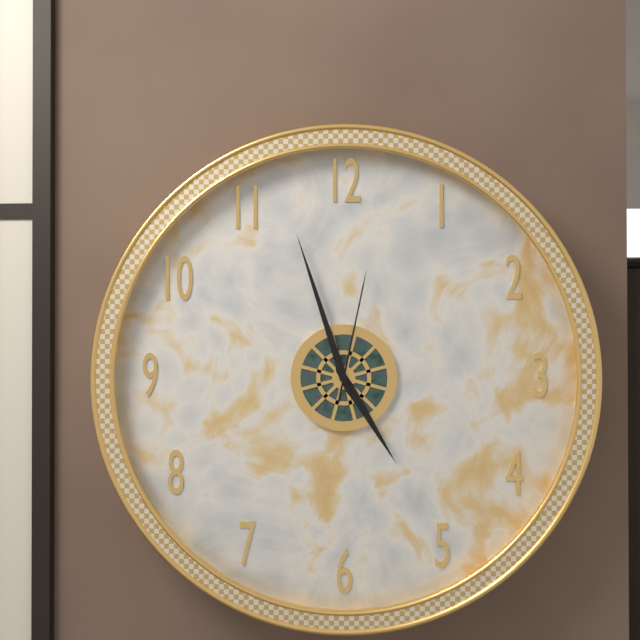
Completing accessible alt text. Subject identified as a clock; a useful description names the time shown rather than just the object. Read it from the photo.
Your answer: 4:57:02
